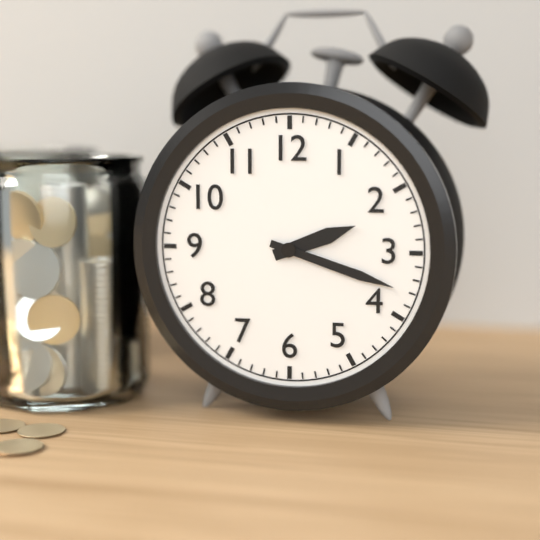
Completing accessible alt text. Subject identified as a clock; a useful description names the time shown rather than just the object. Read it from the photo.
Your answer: 2:18
